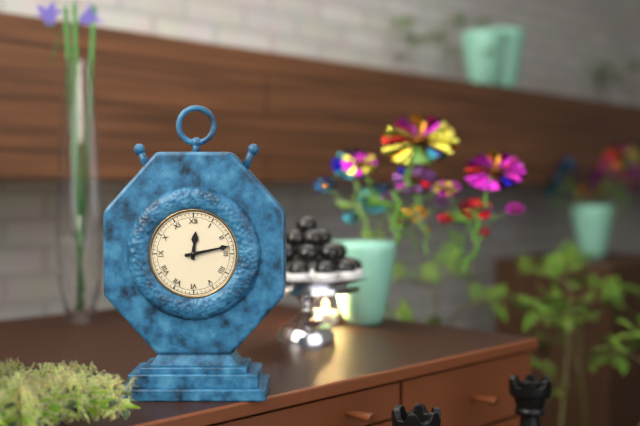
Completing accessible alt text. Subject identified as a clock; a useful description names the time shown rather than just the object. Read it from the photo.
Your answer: 12:13
